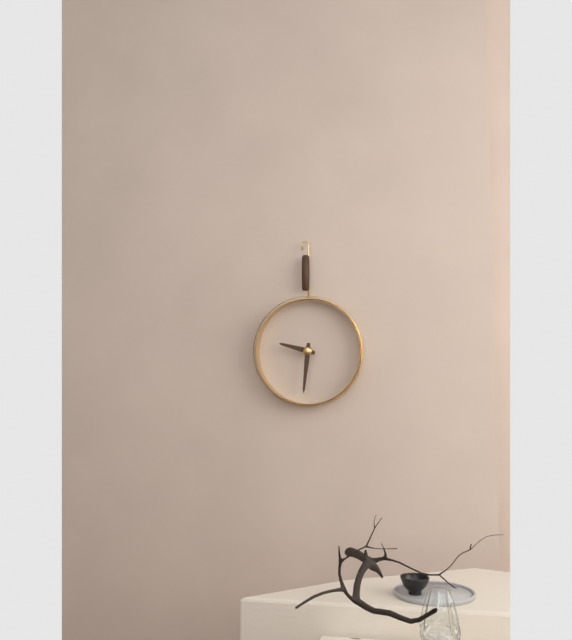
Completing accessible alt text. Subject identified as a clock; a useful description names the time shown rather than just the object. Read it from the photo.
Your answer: 9:31
